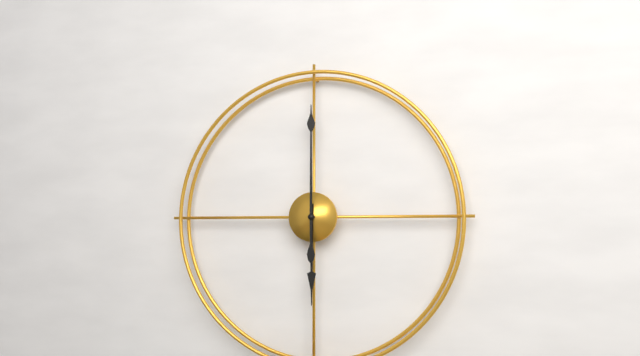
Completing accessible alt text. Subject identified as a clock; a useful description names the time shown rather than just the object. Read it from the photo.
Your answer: 6:00
